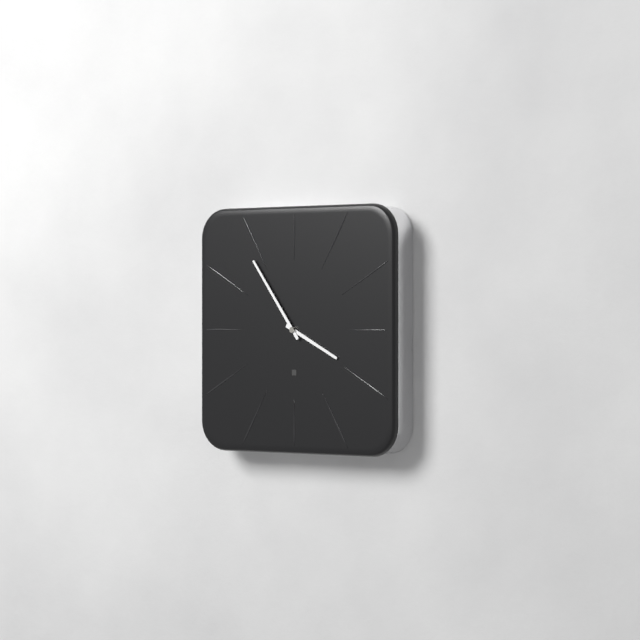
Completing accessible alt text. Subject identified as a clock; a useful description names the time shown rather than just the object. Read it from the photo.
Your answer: 3:54
